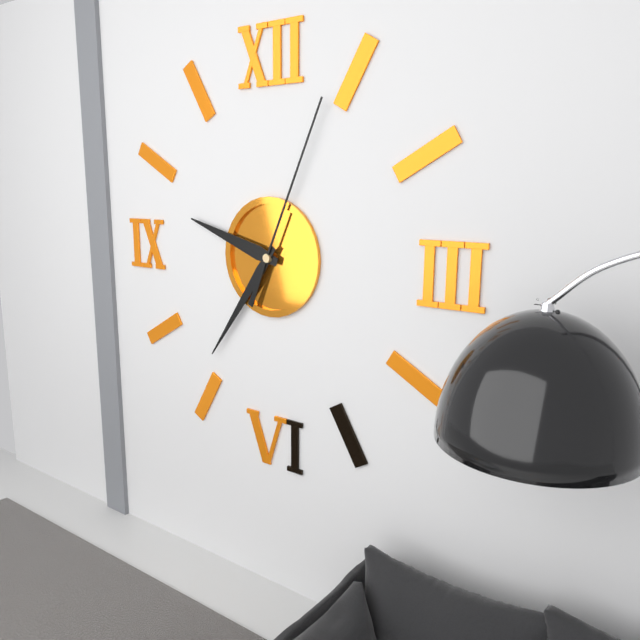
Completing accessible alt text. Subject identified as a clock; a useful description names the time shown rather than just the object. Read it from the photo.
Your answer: 9:36:04
